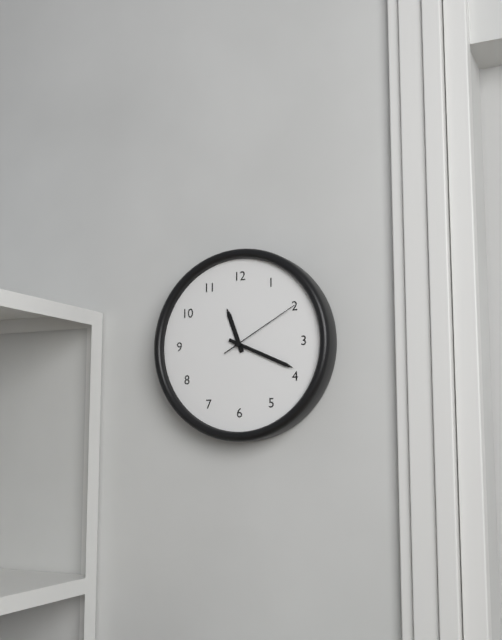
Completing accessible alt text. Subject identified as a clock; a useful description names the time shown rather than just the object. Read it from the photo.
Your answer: 11:19:10
